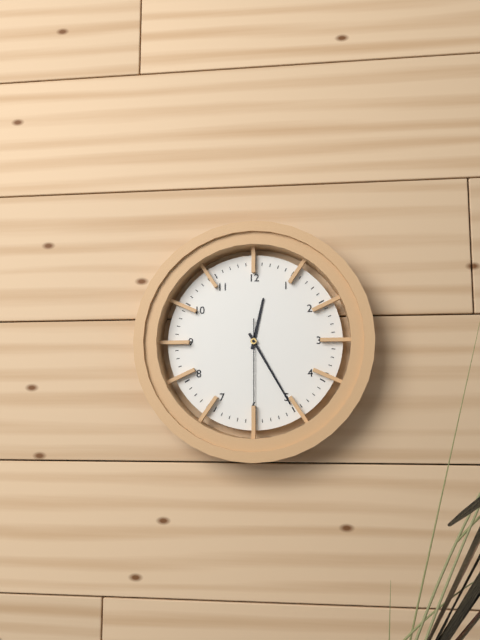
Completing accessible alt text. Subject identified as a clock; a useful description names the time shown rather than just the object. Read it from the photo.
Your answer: 12:25:30
